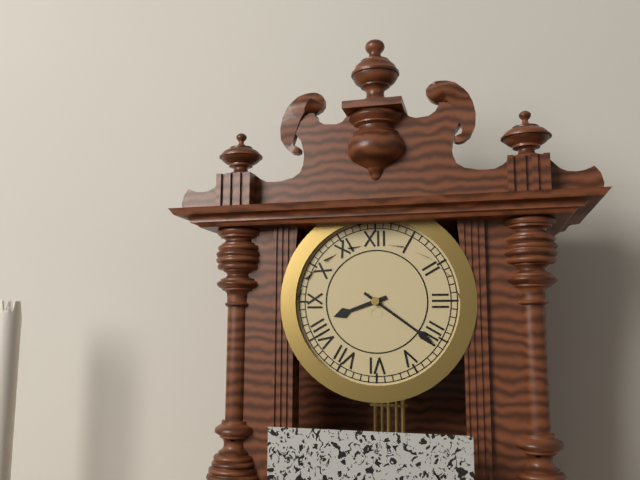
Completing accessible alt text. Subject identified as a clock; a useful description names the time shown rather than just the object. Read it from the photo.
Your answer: 8:21
